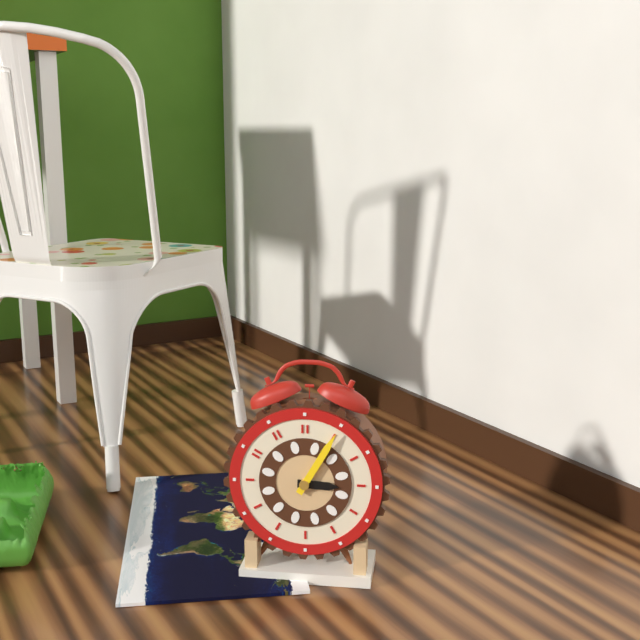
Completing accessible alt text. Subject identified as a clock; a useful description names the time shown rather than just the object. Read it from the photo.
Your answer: 3:05
